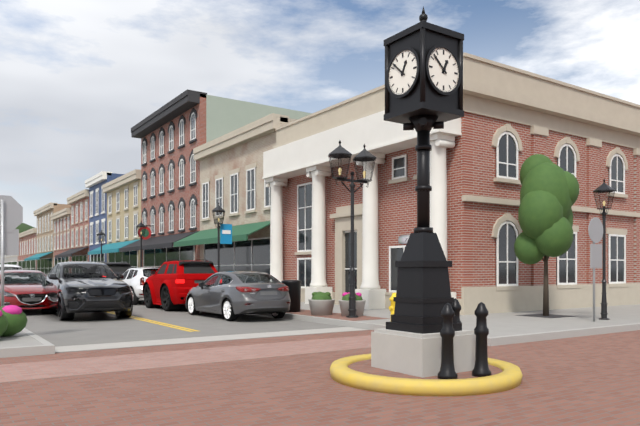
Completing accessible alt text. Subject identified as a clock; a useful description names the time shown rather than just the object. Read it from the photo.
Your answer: 12:52
